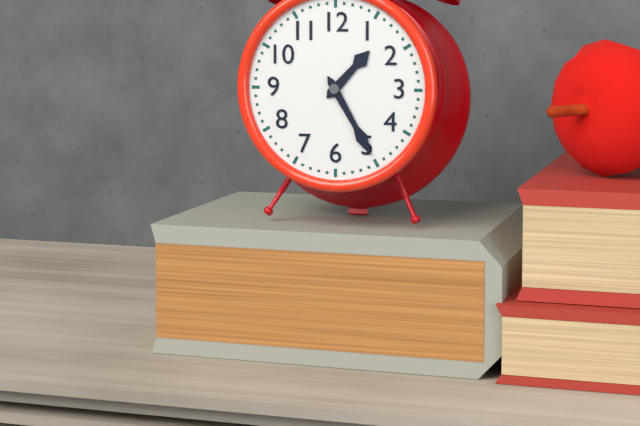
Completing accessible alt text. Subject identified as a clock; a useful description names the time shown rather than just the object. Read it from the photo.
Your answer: 1:25
